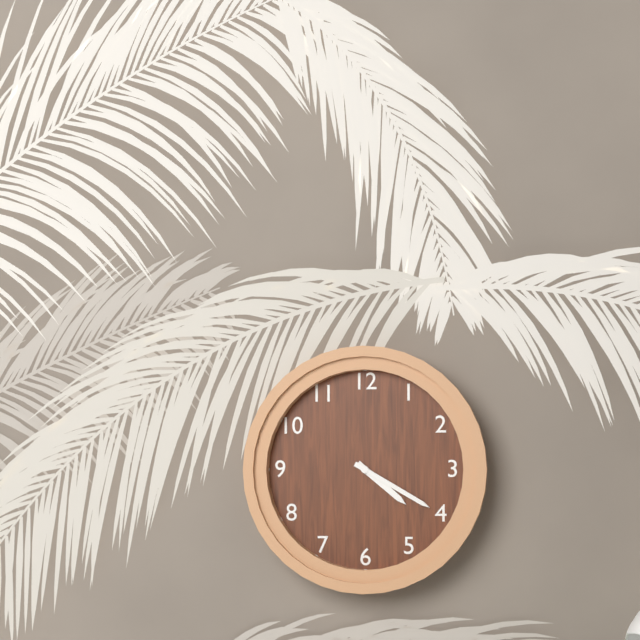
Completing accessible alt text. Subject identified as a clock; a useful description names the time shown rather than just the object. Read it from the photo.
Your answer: 4:20
